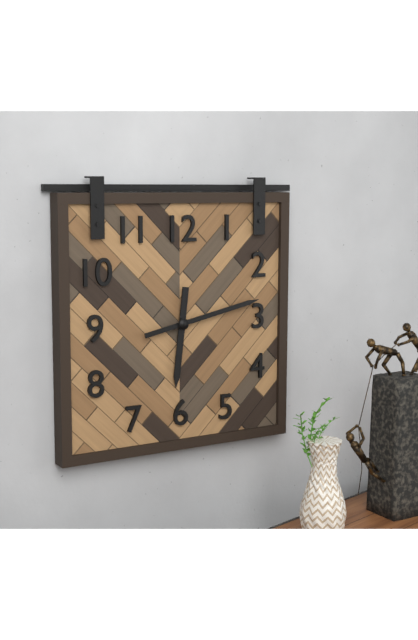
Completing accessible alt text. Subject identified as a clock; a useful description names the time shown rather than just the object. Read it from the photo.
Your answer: 6:13
